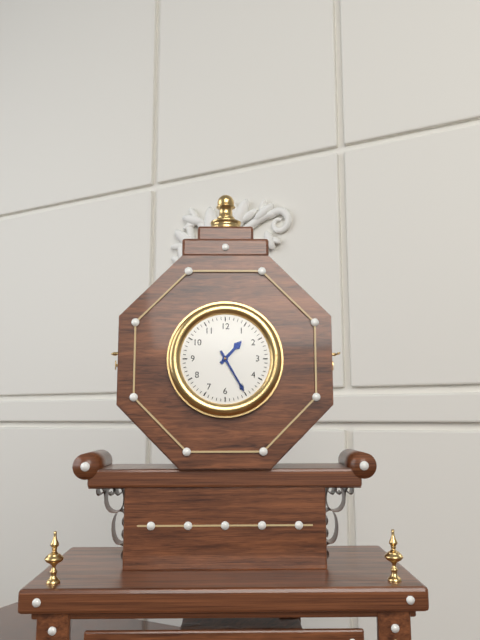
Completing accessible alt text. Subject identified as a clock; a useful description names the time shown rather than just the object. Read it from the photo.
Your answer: 1:25
